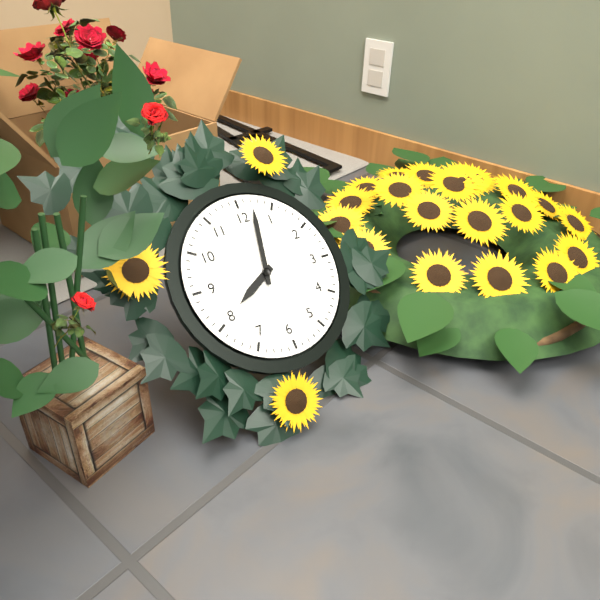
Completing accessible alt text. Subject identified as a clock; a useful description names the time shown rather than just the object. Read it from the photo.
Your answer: 8:02
